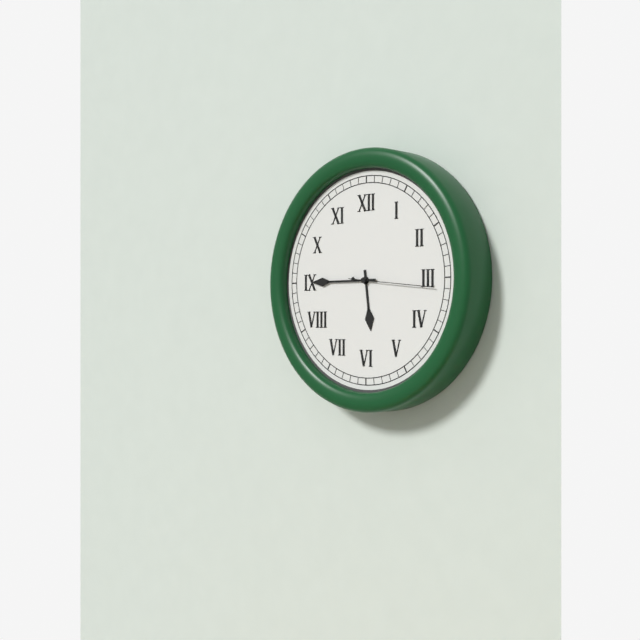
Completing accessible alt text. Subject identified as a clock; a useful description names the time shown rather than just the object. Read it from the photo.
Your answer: 5:45:16
